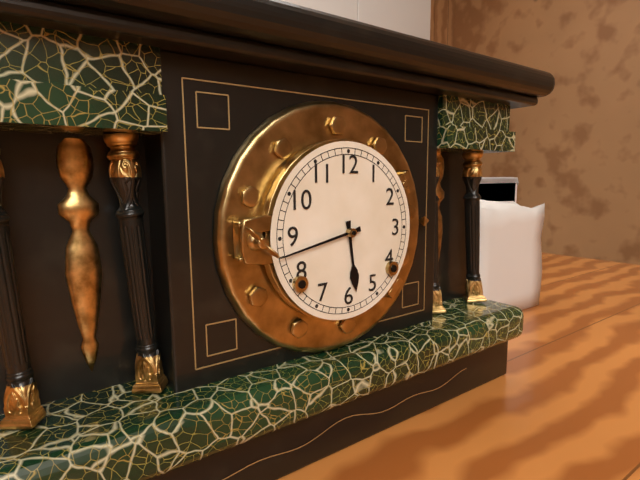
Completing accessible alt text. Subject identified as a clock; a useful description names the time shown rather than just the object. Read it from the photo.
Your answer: 5:43
